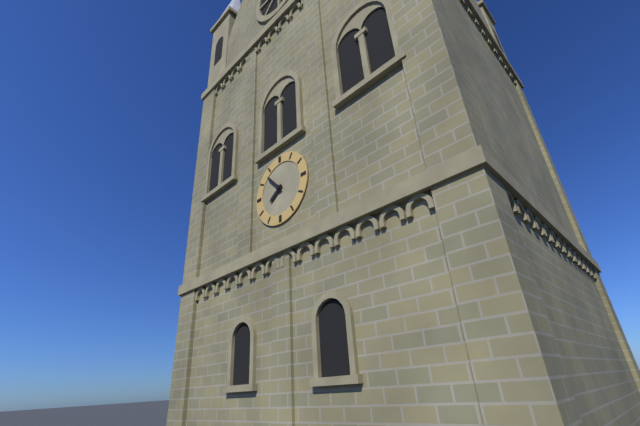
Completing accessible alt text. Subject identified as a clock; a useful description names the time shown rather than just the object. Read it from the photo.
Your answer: 7:53
